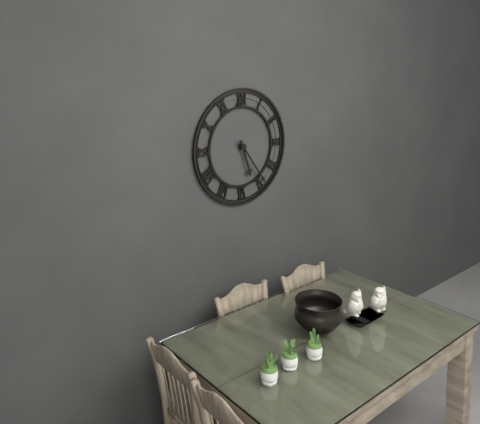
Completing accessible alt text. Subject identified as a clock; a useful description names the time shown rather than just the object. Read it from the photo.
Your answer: 5:24
